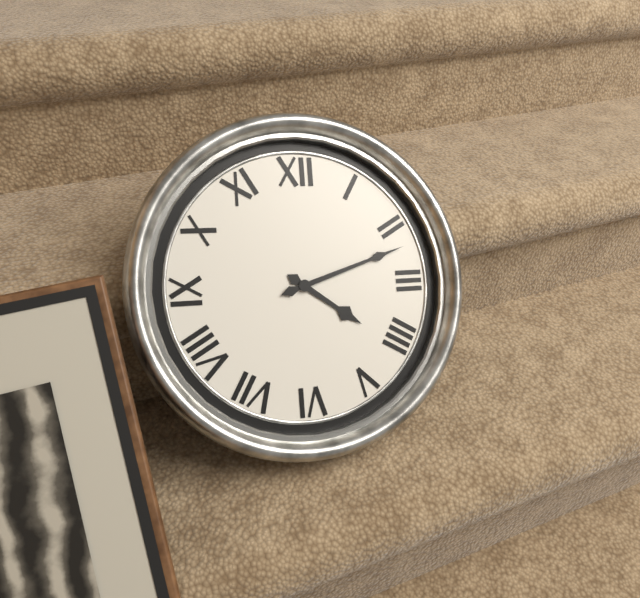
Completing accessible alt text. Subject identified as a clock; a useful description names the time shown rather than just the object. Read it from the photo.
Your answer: 4:12
